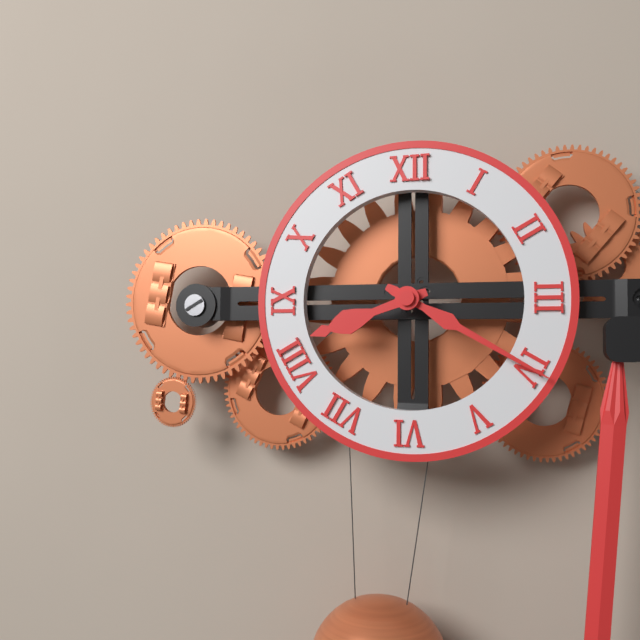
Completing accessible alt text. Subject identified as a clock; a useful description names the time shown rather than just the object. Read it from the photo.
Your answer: 8:20
